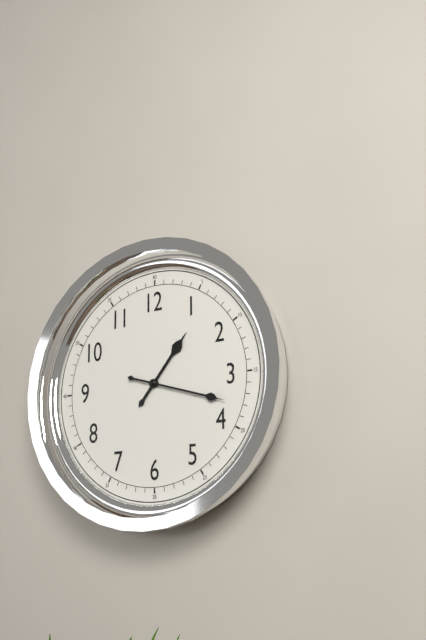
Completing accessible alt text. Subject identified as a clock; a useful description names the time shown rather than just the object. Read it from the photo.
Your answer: 1:18
